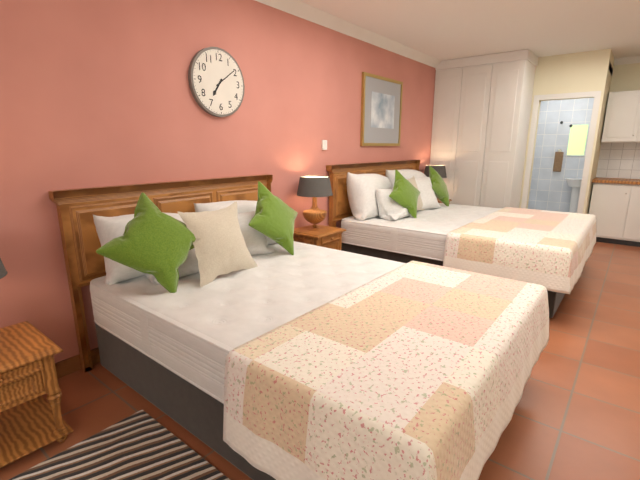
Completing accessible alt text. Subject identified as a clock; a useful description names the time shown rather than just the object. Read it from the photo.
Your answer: 7:09
